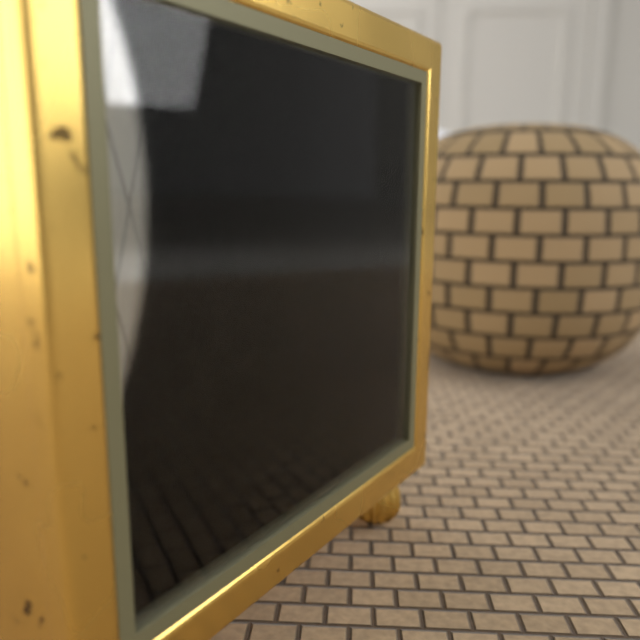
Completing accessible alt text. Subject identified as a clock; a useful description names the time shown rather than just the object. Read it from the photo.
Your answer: 12:56
